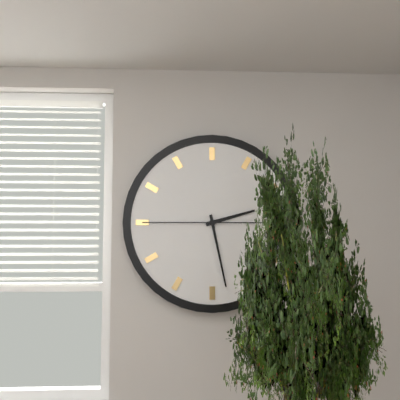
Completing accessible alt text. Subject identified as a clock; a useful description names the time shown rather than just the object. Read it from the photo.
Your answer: 2:28:45
